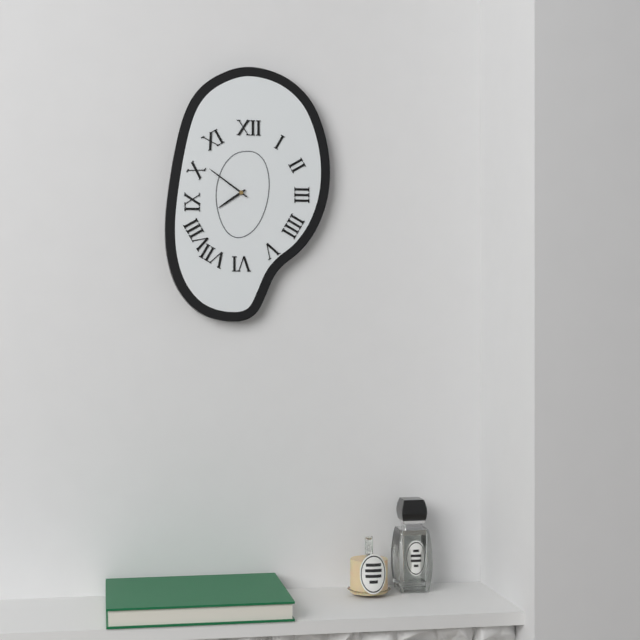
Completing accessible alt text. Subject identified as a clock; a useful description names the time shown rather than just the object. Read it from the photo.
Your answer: 7:51
